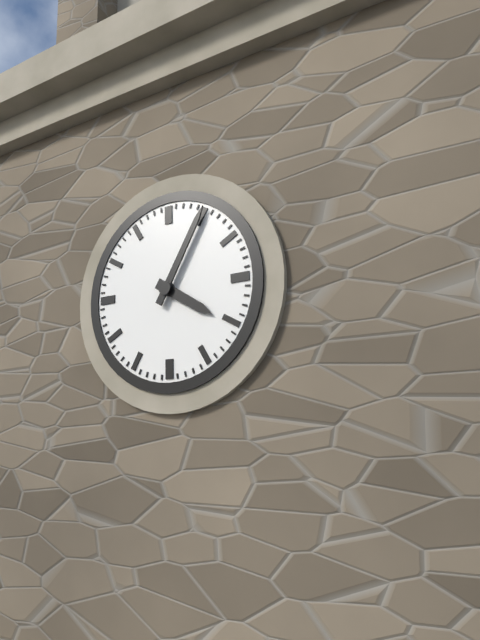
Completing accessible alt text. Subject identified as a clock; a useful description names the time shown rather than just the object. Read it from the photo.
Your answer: 4:05
